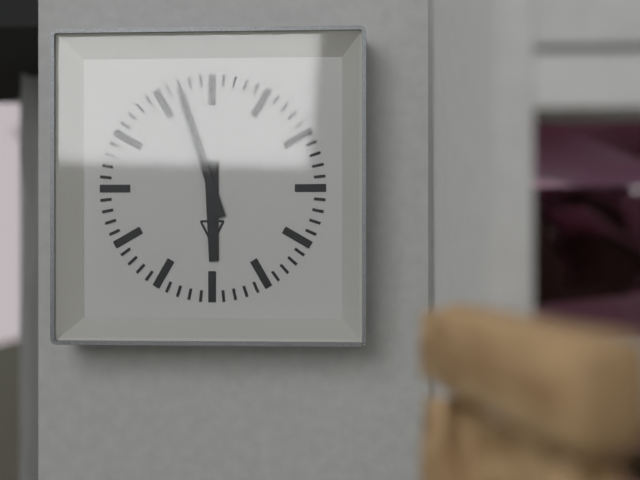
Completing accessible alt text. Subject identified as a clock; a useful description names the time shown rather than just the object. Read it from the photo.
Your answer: 5:57
